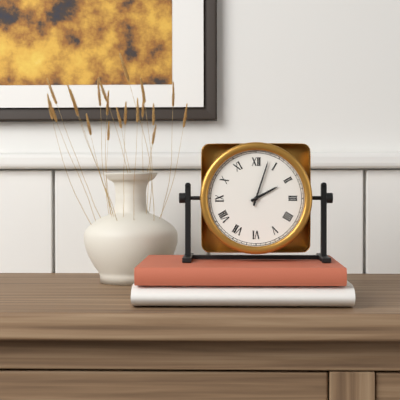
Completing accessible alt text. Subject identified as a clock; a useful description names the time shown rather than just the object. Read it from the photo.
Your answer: 2:03
